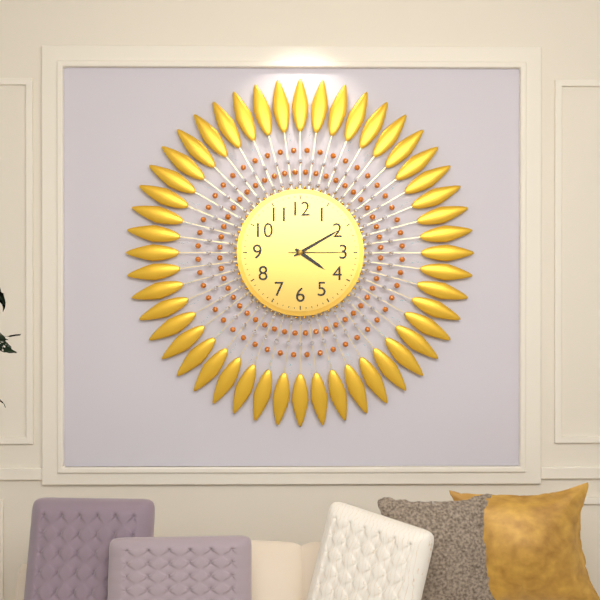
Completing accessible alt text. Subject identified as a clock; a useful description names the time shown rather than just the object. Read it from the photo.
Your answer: 4:10:15
